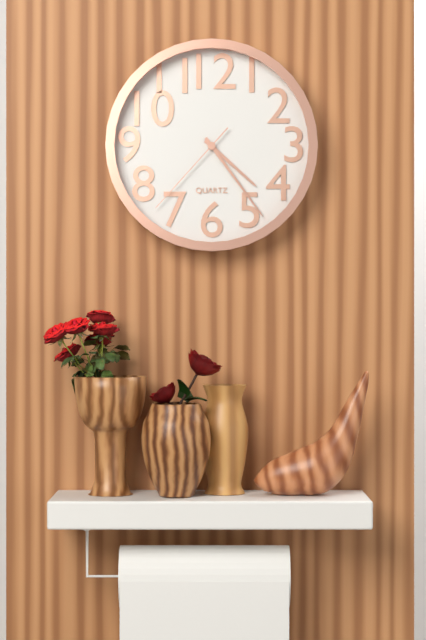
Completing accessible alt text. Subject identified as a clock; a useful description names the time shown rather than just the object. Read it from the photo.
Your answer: 4:24:37
